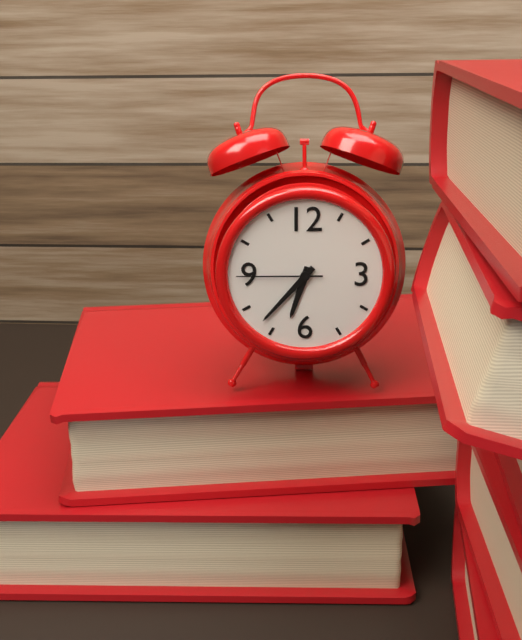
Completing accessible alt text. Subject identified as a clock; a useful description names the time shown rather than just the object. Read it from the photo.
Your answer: 6:37:45
